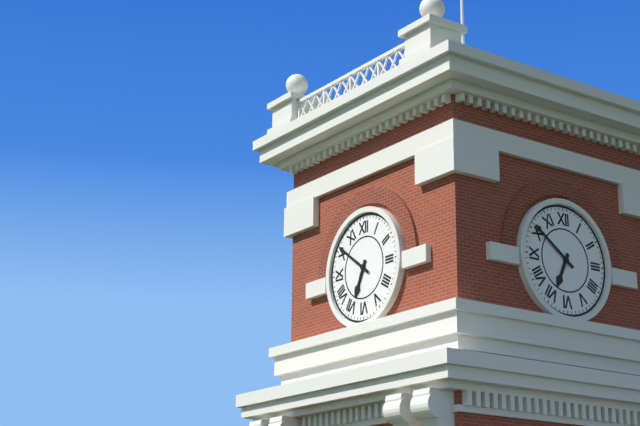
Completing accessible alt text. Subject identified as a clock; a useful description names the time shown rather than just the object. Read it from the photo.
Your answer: 6:51
